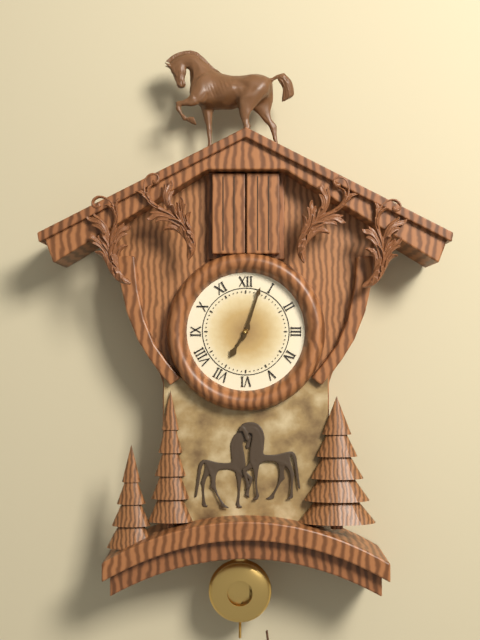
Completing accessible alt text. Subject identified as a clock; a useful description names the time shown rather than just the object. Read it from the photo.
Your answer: 7:03
